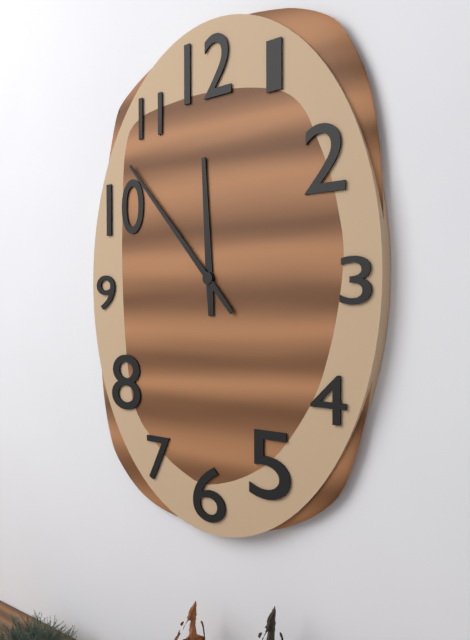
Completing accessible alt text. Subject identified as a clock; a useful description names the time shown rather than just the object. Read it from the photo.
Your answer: 11:53
